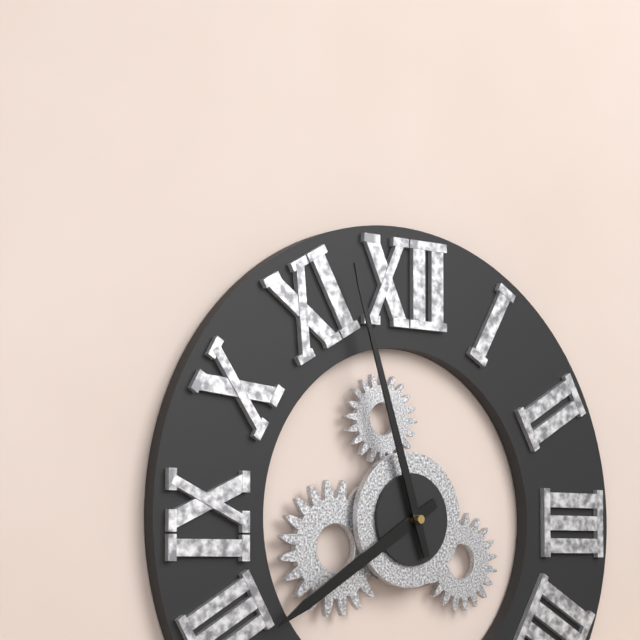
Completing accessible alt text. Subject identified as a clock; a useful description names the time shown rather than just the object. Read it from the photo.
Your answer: 7:57
